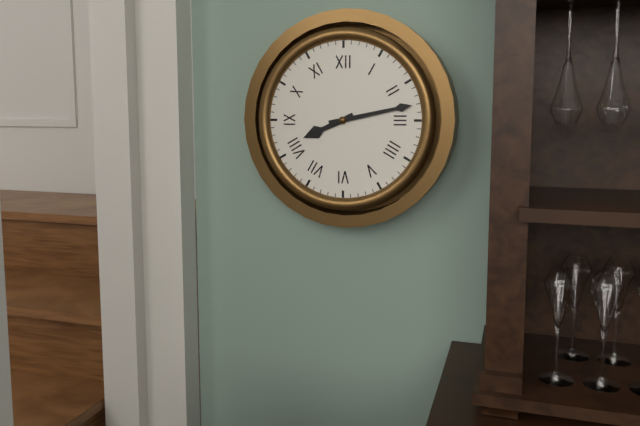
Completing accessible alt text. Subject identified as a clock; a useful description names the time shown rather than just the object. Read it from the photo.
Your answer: 8:13
